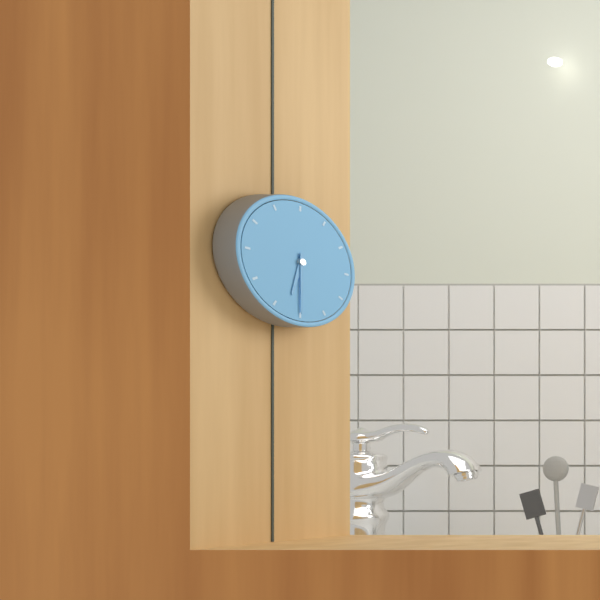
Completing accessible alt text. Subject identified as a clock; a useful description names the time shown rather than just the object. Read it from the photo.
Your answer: 6:30
